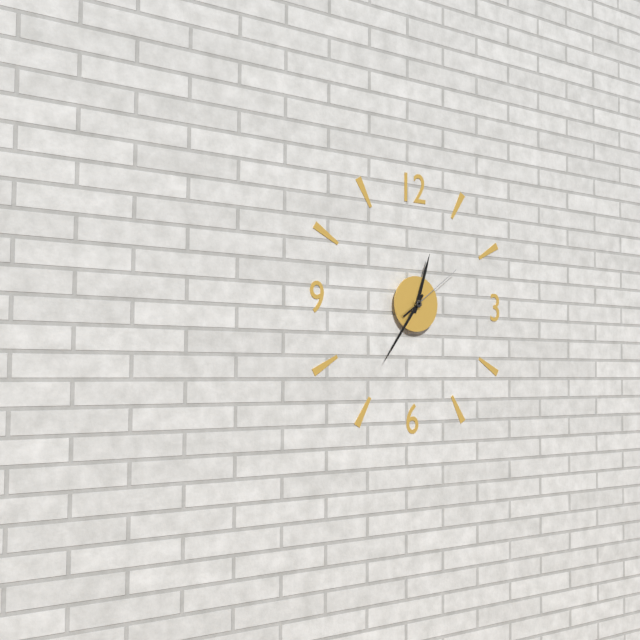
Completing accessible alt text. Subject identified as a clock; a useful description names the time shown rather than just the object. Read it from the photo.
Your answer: 12:36:09
